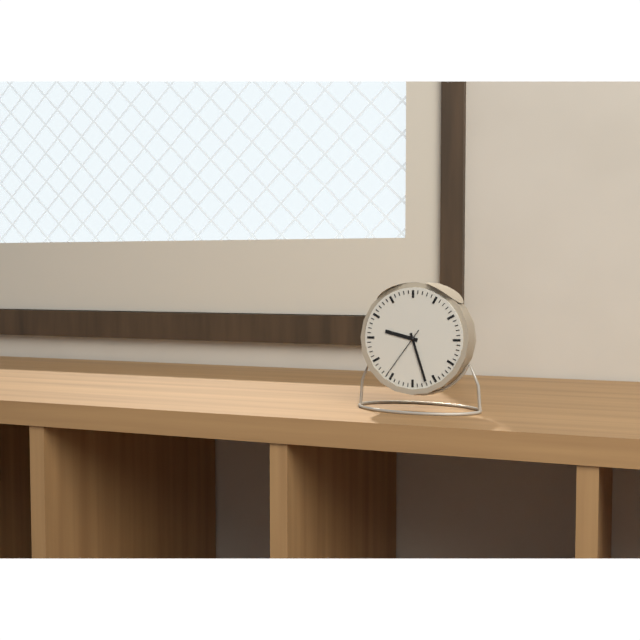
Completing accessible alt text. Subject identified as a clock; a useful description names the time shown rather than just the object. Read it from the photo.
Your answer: 9:27:36
